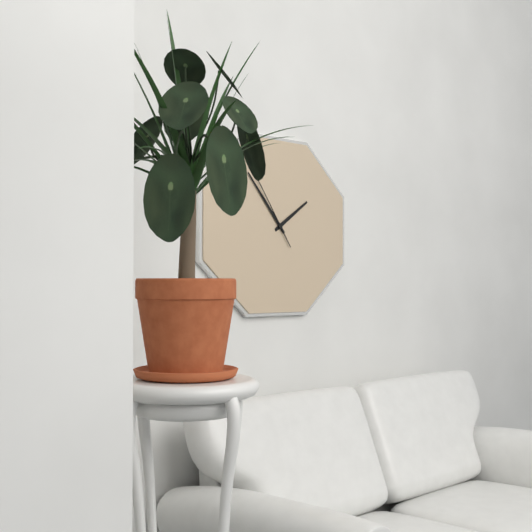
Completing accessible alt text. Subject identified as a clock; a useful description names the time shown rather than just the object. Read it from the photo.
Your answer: 1:53:54
